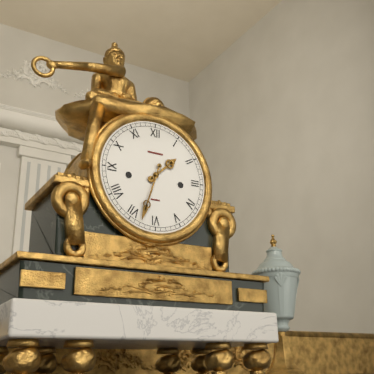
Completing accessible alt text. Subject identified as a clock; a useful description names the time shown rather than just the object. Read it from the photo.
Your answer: 1:33
